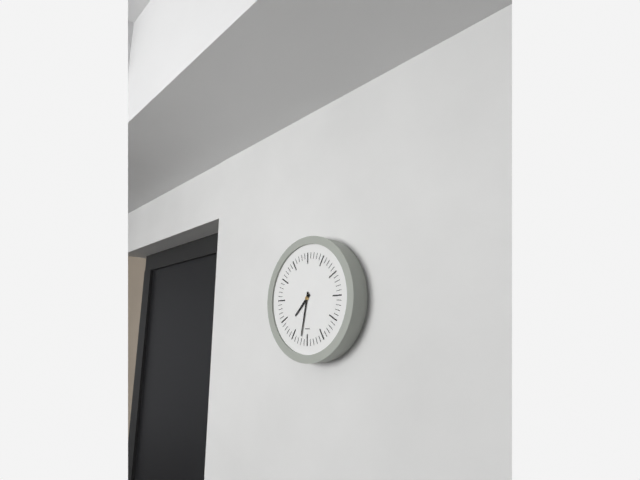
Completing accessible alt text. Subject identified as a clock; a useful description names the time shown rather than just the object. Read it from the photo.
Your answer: 7:32
